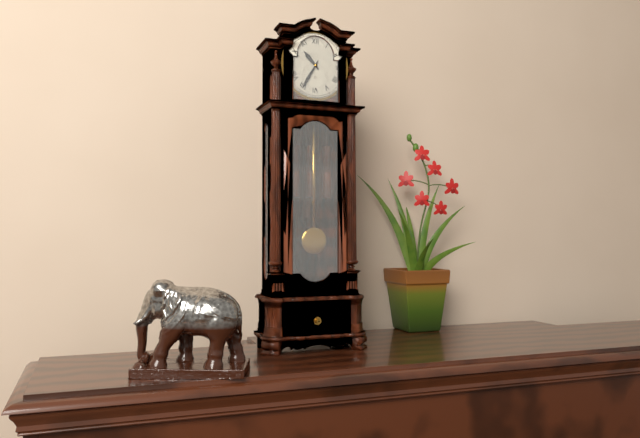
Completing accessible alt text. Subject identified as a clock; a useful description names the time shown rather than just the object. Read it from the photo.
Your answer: 10:35
